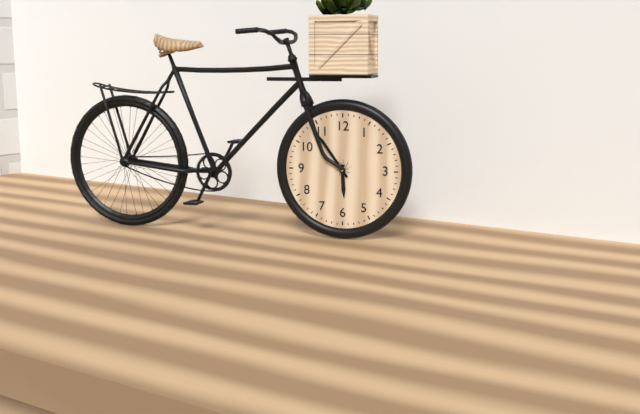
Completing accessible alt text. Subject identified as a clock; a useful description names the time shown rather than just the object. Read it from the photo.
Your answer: 5:54
